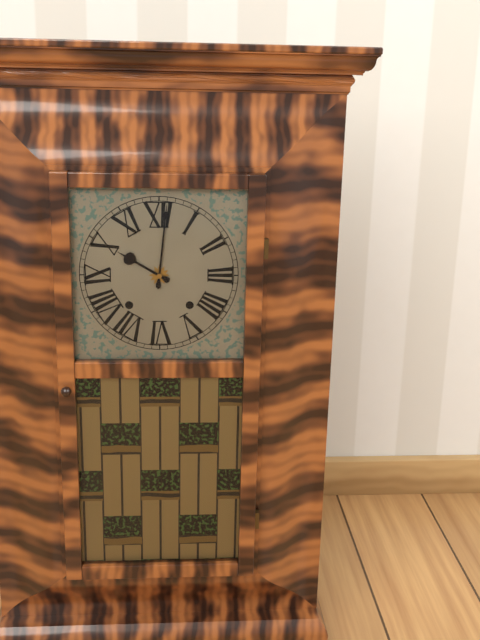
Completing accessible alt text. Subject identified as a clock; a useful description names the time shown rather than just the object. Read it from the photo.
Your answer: 10:01
